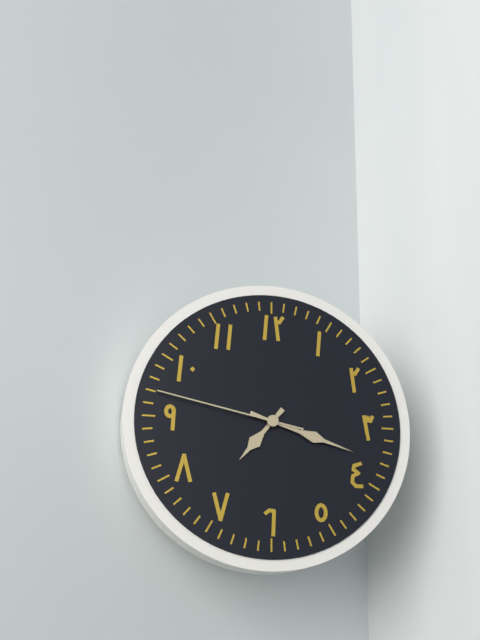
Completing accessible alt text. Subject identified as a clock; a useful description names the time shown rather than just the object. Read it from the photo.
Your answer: 7:18:47
